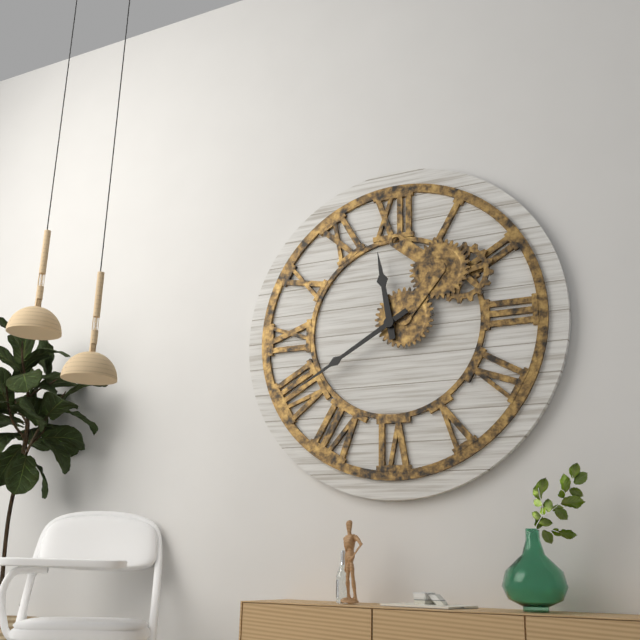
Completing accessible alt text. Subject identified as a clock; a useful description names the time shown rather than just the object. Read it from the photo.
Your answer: 11:40
